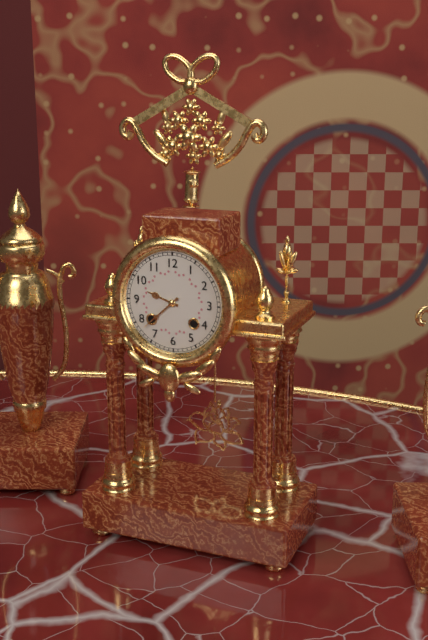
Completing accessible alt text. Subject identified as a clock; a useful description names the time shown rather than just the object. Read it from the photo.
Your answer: 9:38
